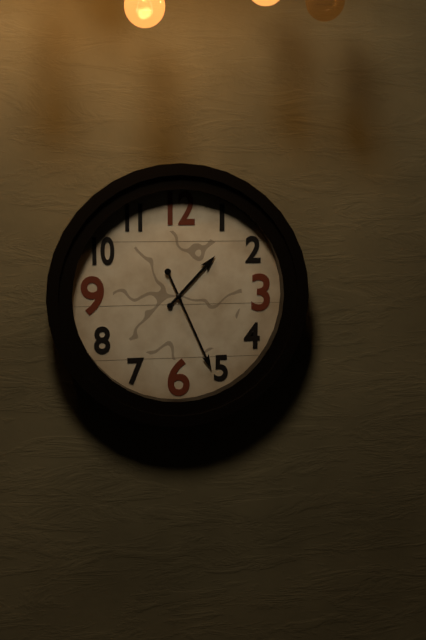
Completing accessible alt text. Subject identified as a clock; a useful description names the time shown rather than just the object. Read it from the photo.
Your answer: 1:26
